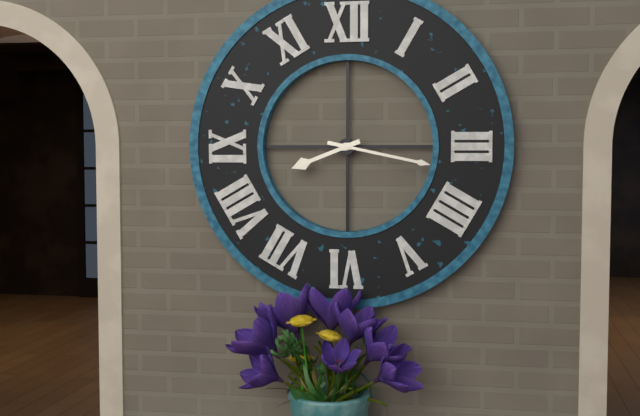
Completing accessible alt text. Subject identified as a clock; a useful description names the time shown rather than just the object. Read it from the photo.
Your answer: 8:17
